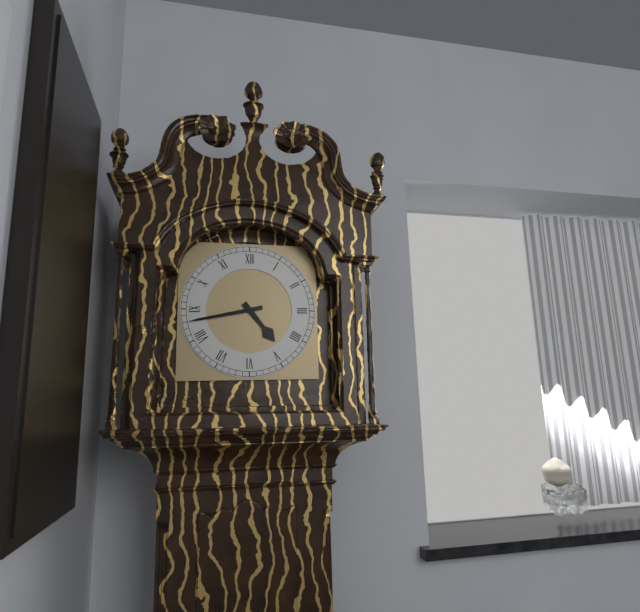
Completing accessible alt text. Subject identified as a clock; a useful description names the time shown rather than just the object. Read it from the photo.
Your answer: 4:43
